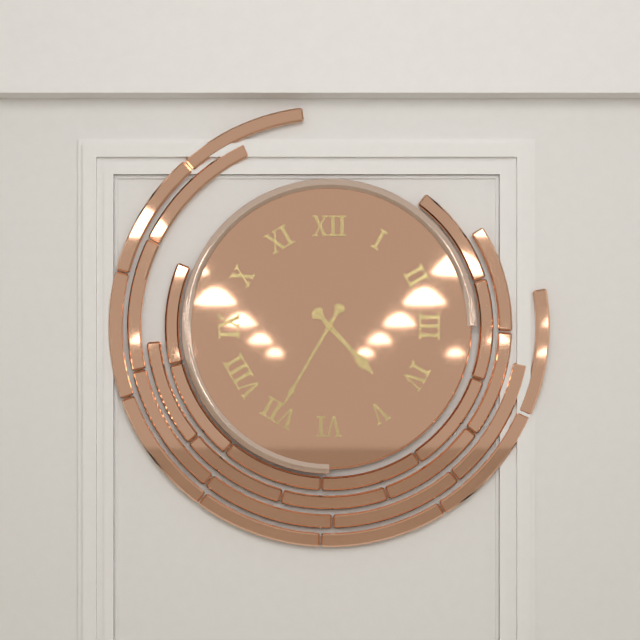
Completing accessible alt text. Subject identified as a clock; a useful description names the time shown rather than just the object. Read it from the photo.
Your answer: 4:35
